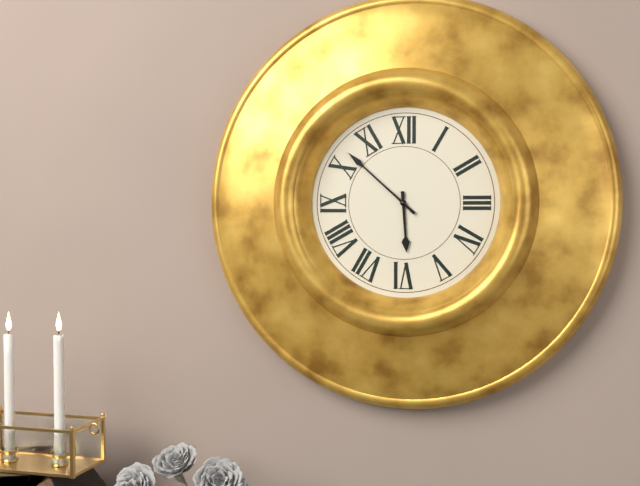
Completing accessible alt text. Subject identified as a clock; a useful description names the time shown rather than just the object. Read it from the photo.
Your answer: 5:52
